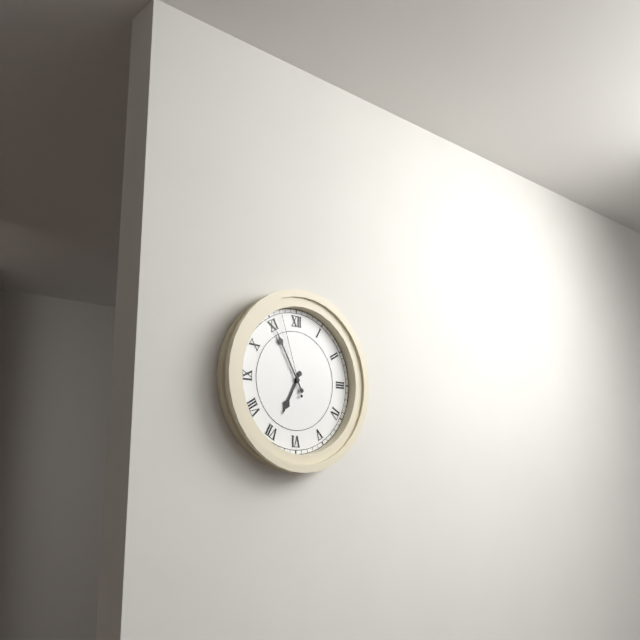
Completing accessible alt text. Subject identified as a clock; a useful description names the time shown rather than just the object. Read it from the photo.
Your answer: 6:55:57
